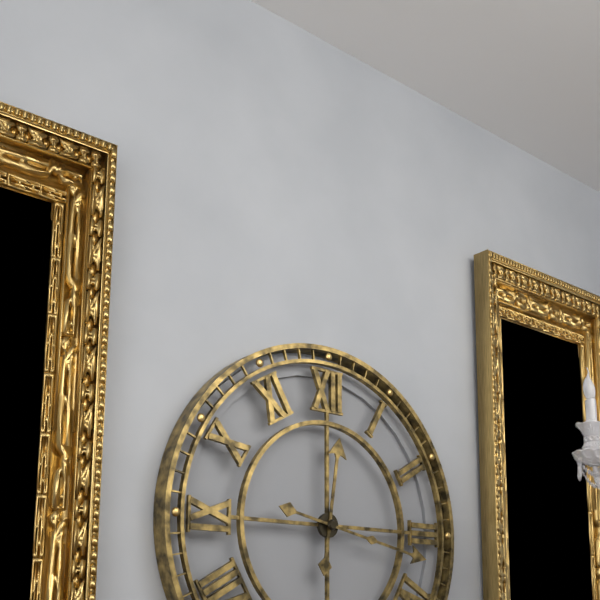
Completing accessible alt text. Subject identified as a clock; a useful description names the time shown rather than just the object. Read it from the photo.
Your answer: 12:17
